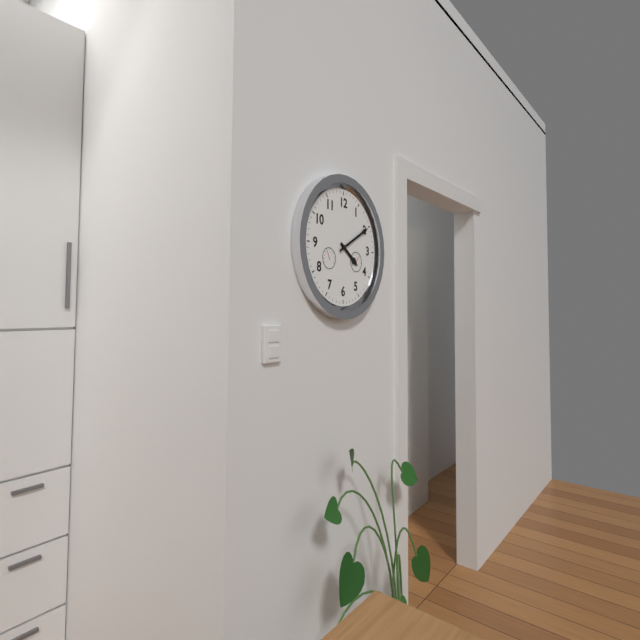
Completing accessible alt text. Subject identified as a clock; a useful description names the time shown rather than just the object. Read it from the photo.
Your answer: 4:10
